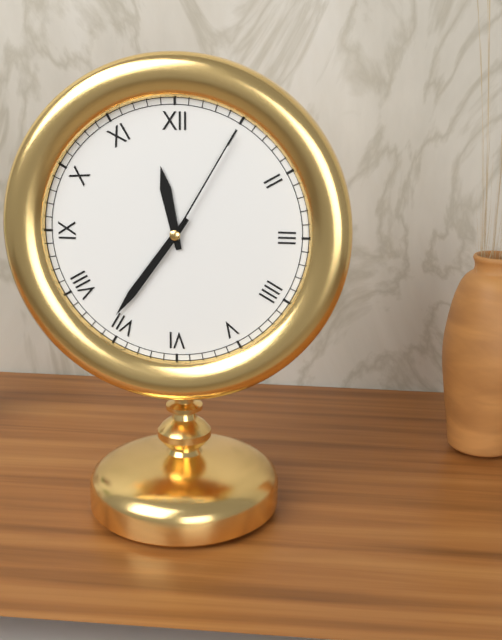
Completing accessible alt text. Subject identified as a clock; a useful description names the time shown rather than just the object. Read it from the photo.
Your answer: 11:36:05
